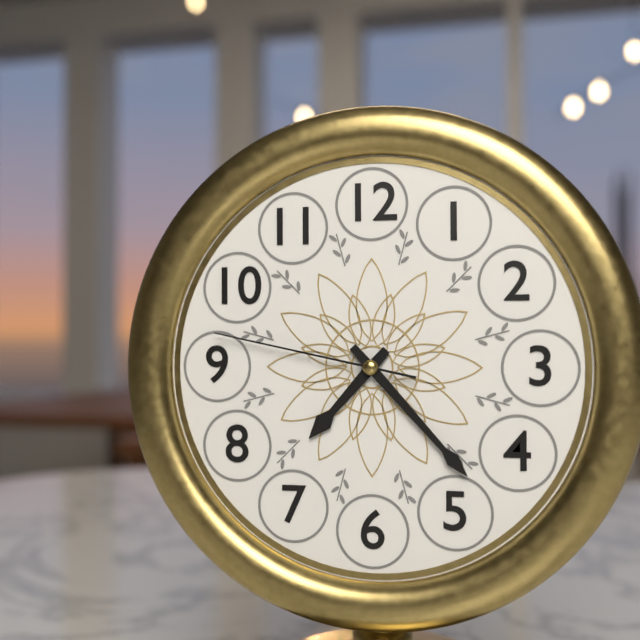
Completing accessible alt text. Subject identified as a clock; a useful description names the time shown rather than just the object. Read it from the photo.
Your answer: 7:23:47
